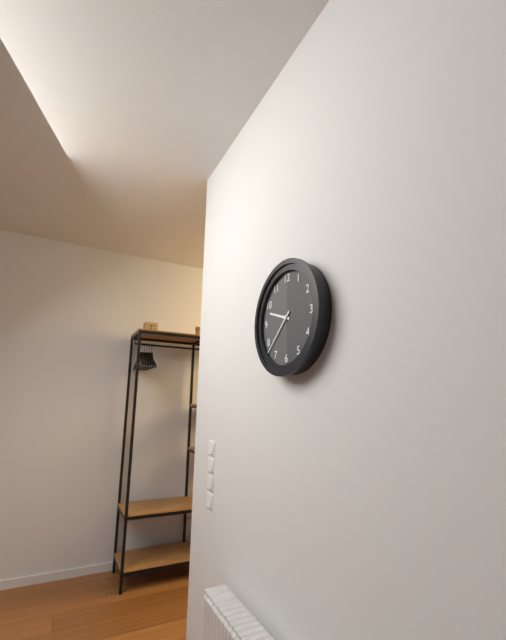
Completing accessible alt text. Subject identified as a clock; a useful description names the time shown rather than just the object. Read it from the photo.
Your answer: 9:38
